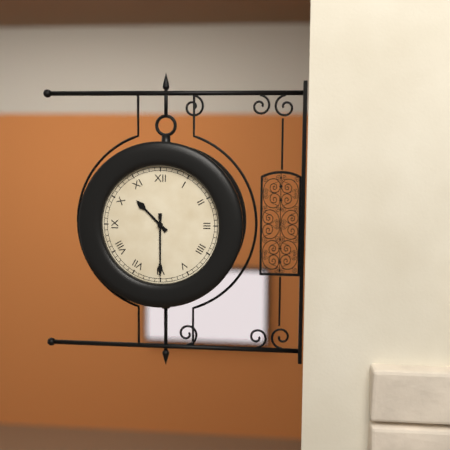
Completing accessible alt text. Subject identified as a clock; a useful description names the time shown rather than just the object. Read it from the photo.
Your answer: 10:30
